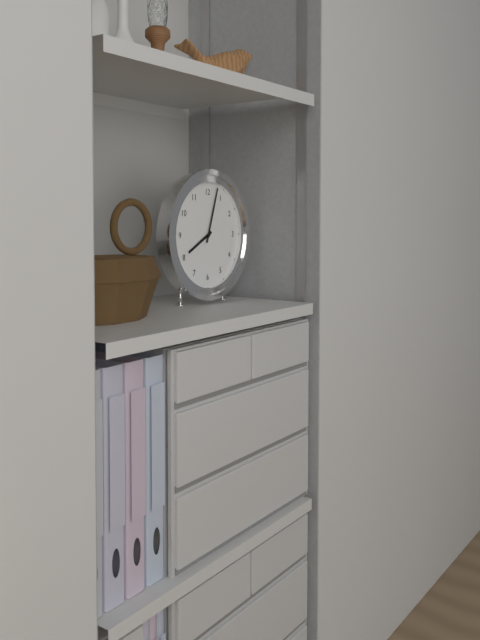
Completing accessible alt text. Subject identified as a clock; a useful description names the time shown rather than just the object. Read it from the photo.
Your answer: 8:03
